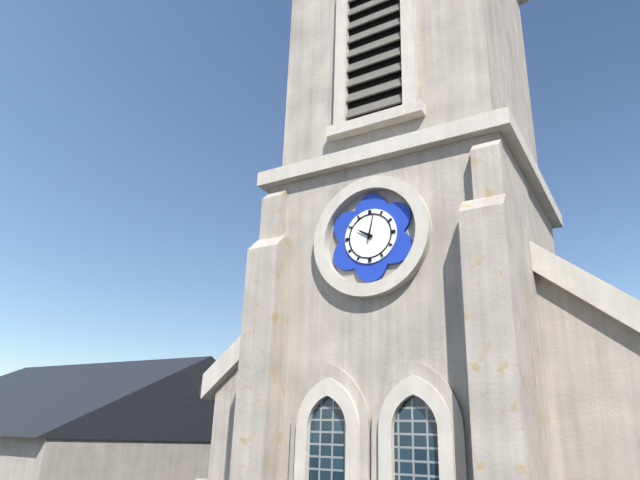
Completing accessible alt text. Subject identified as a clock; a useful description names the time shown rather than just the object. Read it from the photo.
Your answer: 10:02
